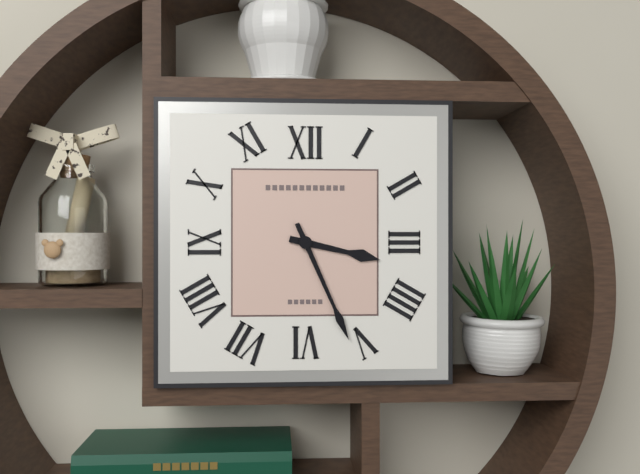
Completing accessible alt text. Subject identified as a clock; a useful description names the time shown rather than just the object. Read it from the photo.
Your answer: 3:26
